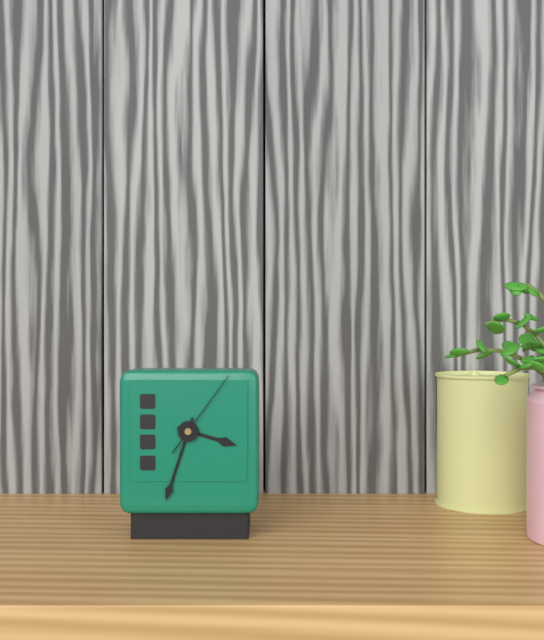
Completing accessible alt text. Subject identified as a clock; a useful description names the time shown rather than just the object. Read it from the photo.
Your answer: 3:33:06
